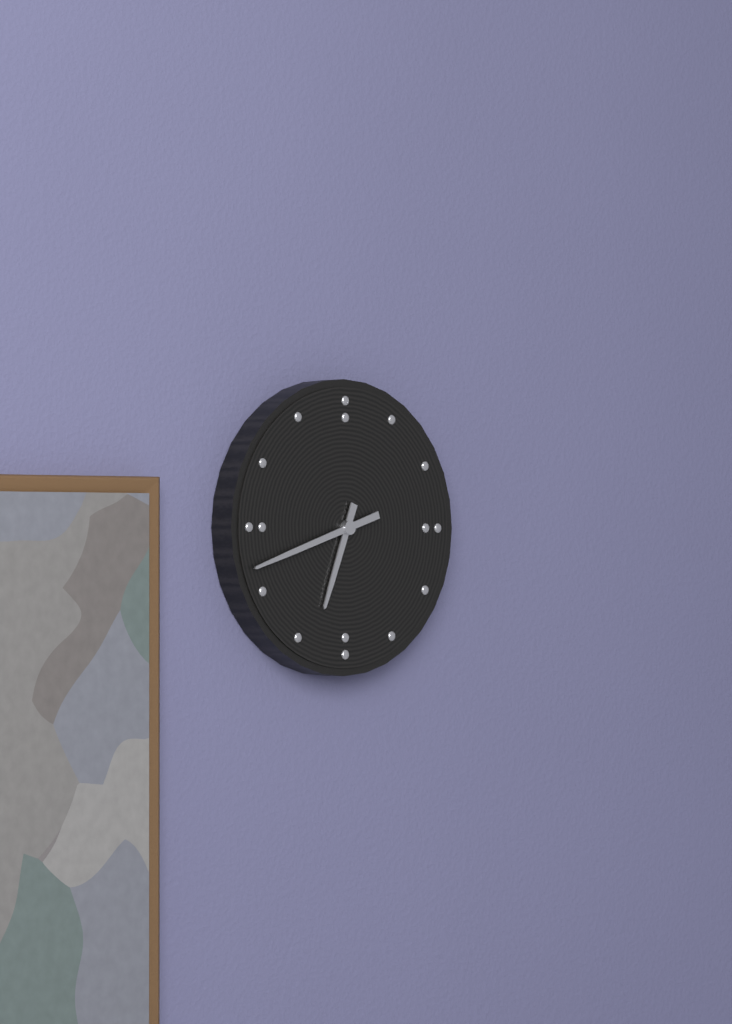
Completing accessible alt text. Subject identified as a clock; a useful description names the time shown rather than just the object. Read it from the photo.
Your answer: 6:42
